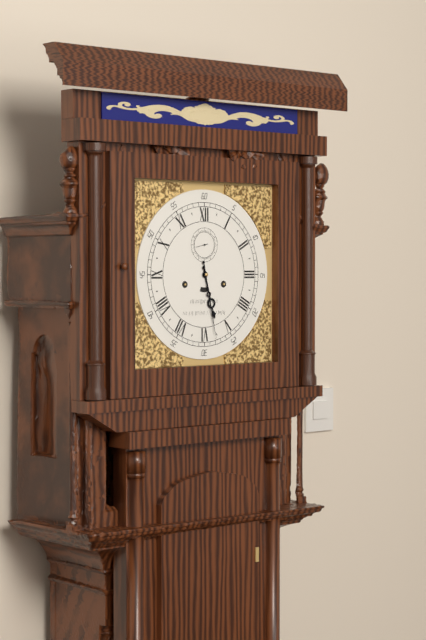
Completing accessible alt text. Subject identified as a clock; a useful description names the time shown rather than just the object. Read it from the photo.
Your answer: 5:28
